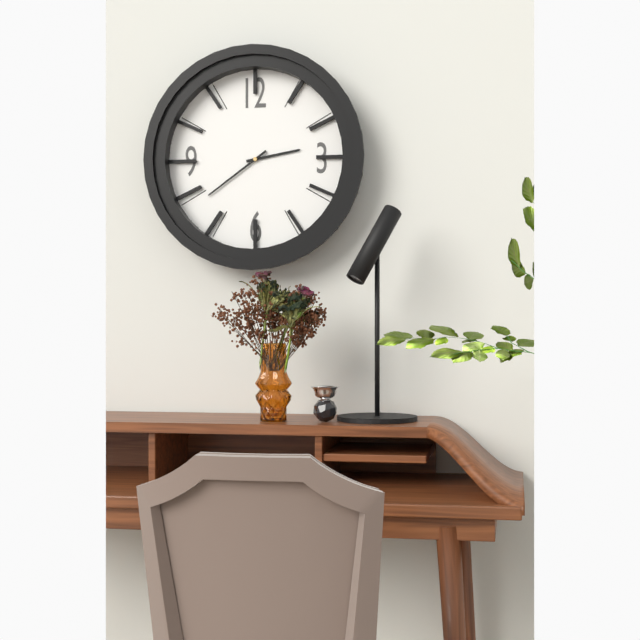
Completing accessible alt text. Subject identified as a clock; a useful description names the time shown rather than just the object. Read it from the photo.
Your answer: 2:39
